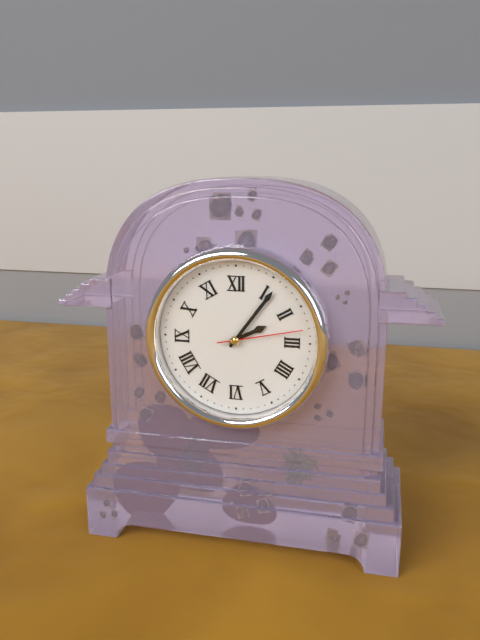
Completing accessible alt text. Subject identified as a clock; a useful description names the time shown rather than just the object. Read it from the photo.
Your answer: 2:06:13
